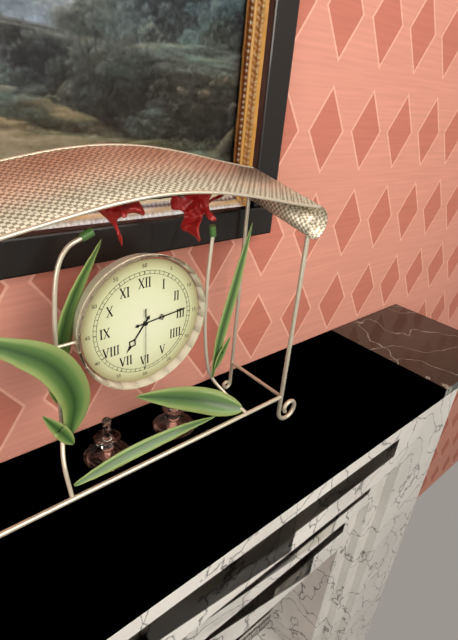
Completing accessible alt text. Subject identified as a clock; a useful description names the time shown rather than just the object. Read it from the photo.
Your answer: 7:14:30
